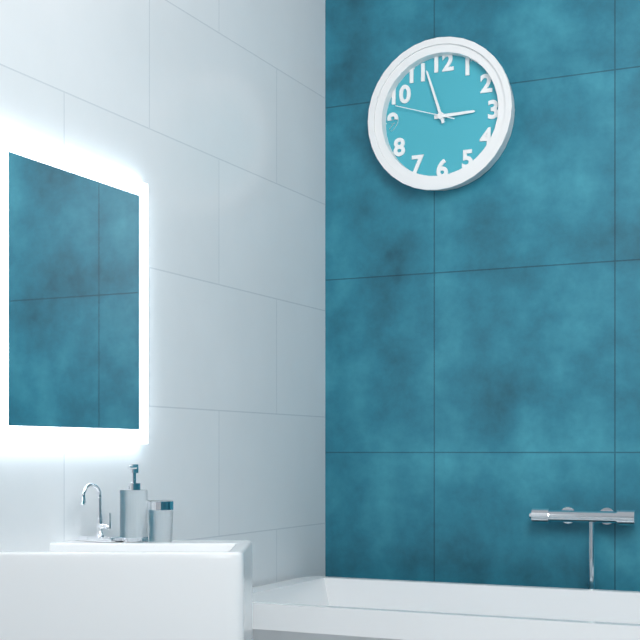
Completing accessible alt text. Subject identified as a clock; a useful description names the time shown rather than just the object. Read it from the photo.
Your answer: 2:57:48
